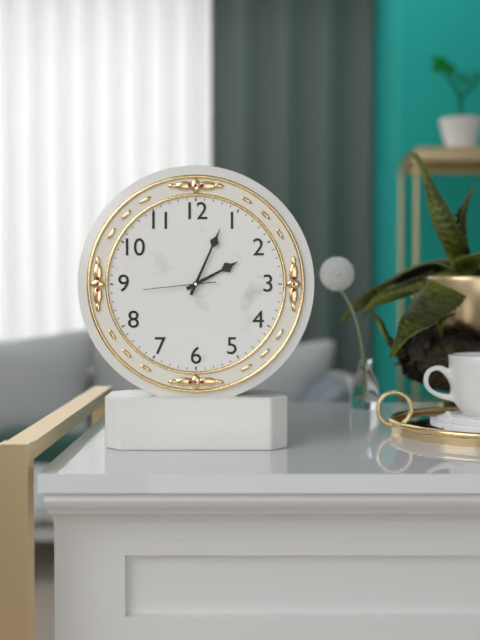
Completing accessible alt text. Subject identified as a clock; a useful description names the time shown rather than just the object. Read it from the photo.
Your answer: 2:04:44
